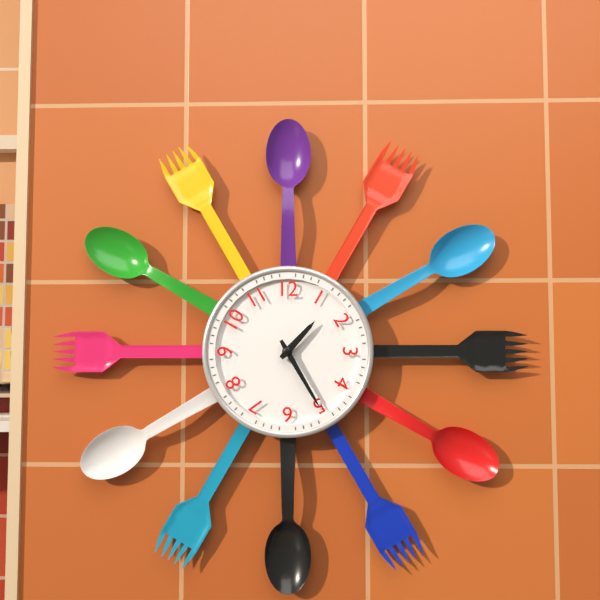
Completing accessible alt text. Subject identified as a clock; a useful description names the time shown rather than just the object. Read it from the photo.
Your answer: 1:25
